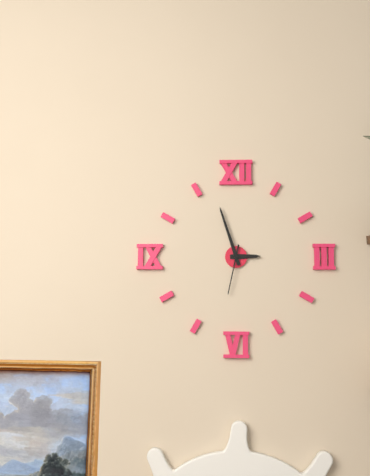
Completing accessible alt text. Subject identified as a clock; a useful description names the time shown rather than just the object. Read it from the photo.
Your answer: 2:57
